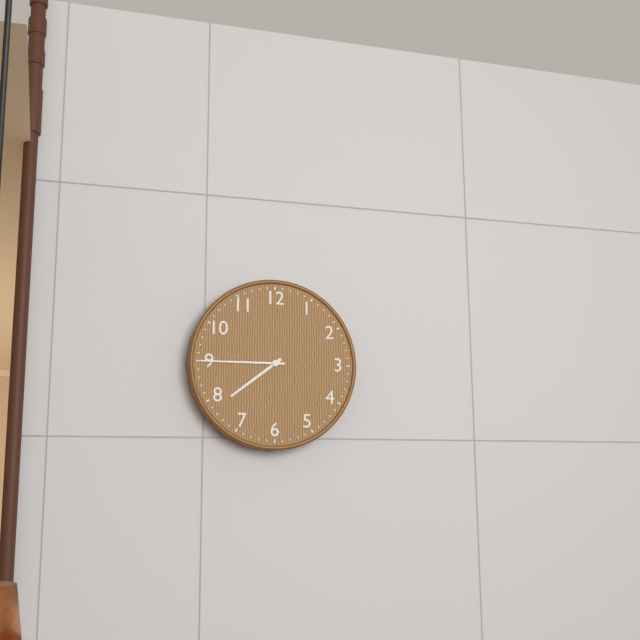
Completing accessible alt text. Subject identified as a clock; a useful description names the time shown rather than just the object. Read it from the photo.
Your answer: 7:45
